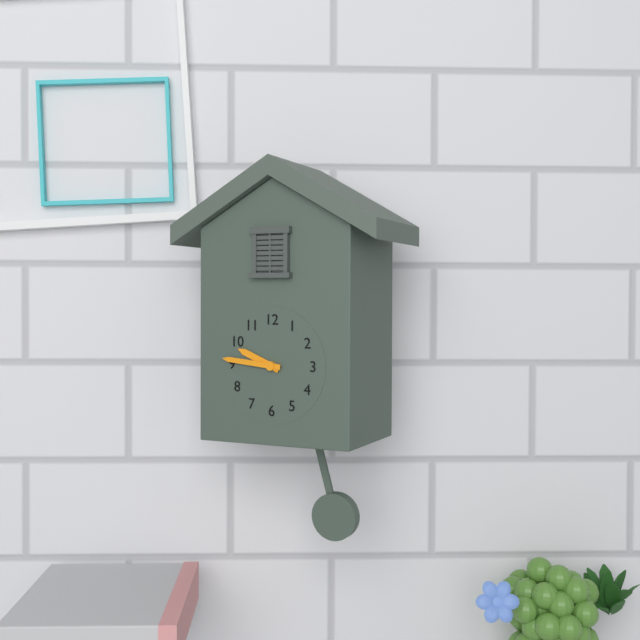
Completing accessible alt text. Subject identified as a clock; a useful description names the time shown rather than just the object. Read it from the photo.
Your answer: 9:46
